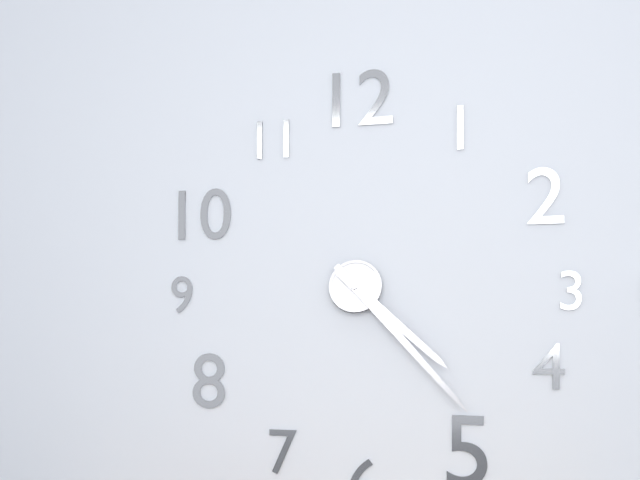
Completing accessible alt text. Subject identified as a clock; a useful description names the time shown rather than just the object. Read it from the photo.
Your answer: 4:23
